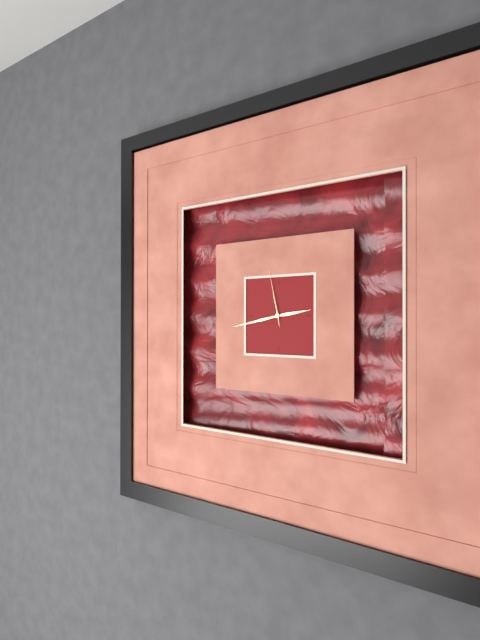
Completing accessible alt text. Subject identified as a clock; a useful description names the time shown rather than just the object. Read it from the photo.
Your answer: 2:43:58
